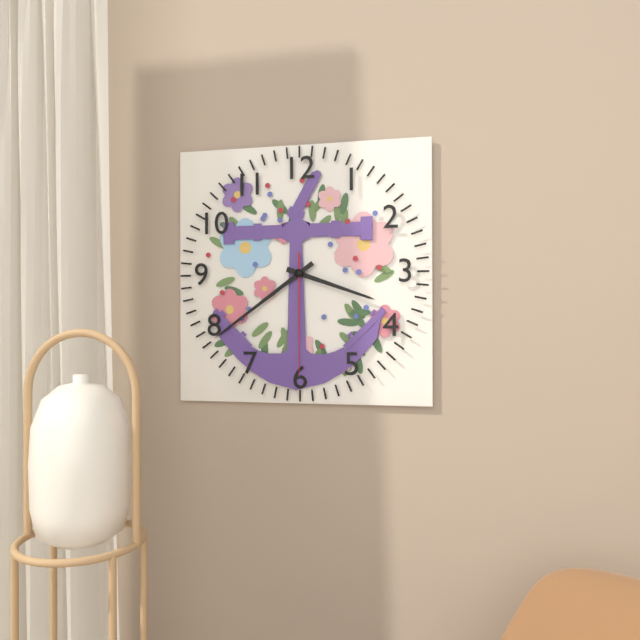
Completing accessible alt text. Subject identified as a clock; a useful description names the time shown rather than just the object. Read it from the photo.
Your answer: 3:39:30
